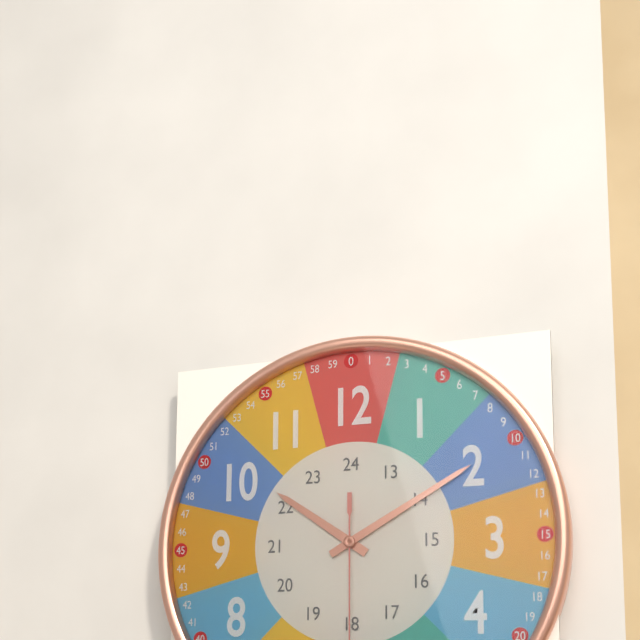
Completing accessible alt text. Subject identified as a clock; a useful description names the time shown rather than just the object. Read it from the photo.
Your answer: 10:10
